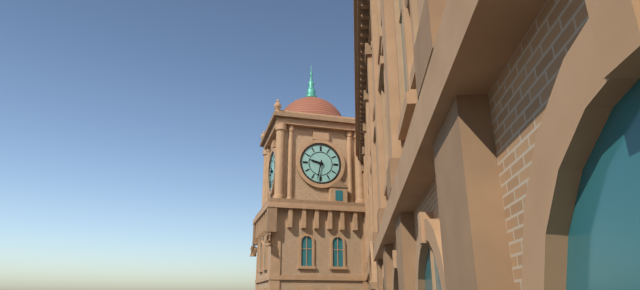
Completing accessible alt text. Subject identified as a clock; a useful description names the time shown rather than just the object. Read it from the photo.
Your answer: 9:32
